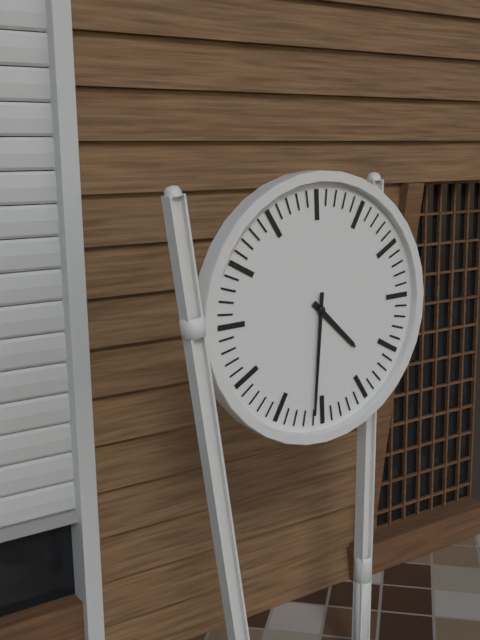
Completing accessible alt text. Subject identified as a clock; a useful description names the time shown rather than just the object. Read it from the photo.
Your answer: 4:31
